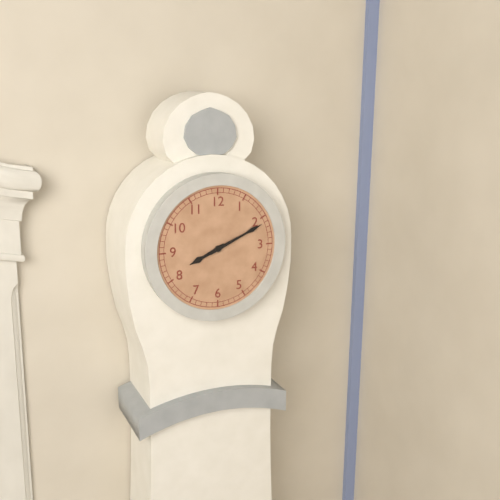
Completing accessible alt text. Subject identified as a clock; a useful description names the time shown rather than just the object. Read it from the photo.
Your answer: 8:11
